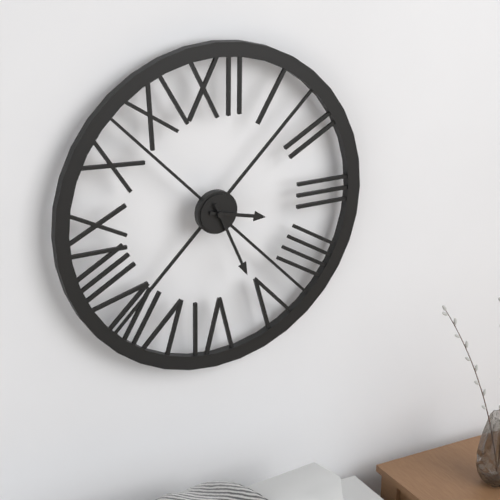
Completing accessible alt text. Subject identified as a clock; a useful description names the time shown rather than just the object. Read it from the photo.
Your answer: 3:26
